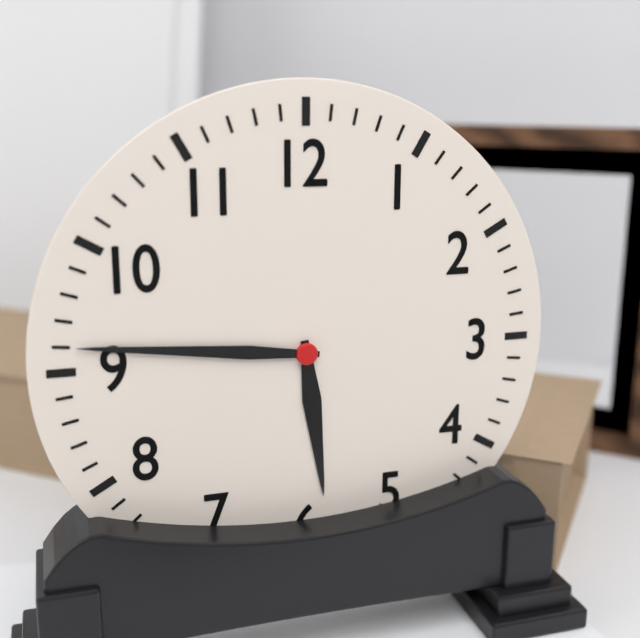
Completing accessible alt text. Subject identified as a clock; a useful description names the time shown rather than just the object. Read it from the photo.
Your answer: 5:46
